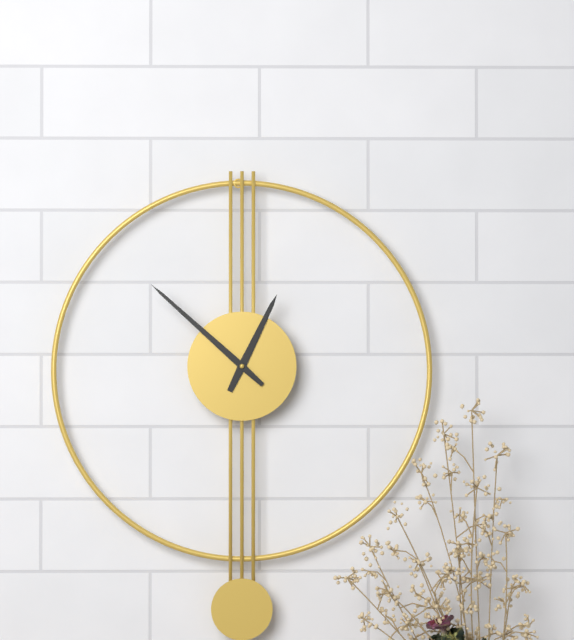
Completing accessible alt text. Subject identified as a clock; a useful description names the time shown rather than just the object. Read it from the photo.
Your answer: 12:52
